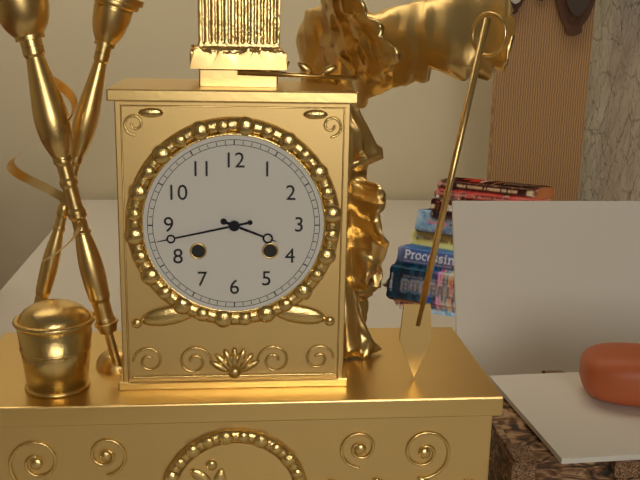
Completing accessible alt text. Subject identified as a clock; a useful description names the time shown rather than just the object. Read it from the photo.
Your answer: 3:43
